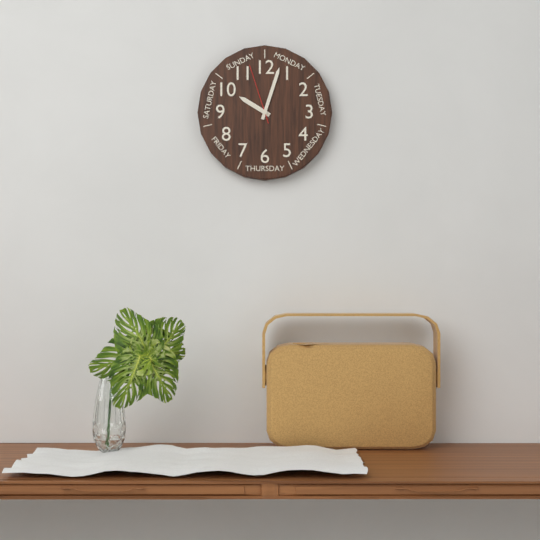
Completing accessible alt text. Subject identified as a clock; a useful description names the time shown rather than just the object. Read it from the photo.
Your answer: 10:03:57
